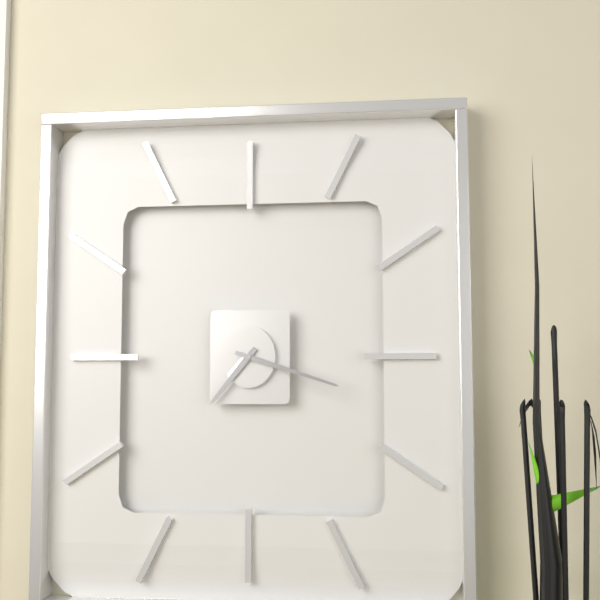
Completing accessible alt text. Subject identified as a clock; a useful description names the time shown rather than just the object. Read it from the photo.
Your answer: 7:18
